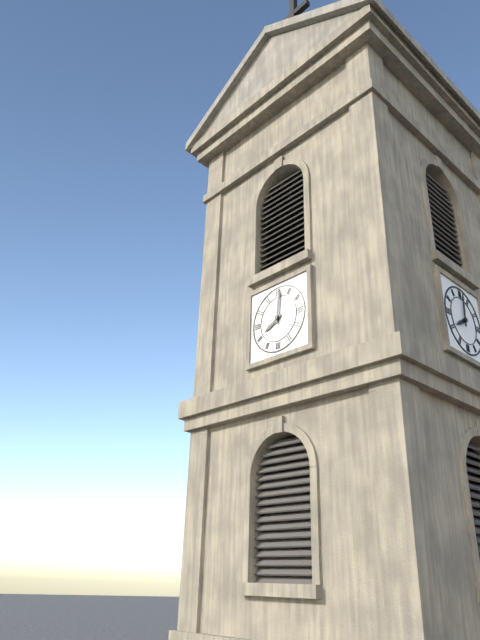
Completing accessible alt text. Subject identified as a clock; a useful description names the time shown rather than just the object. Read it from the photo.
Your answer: 8:01
